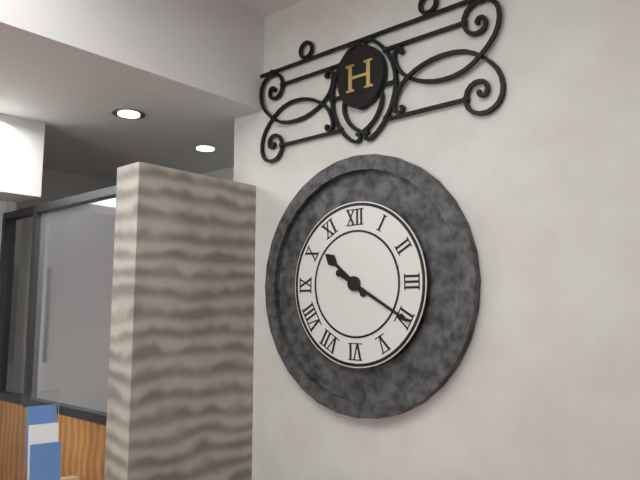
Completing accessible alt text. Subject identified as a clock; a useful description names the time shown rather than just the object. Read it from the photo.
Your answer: 10:20
